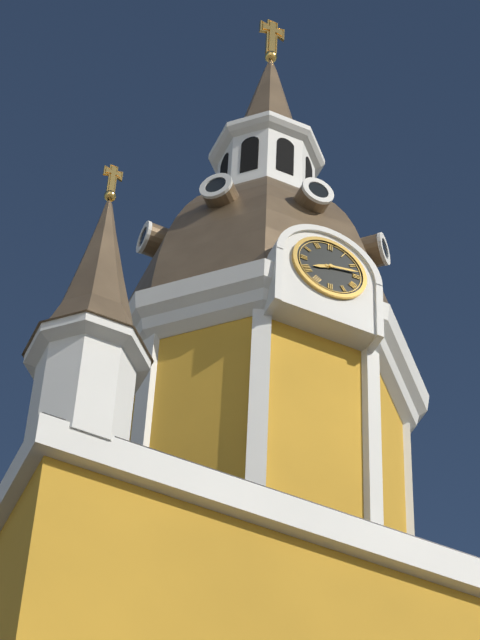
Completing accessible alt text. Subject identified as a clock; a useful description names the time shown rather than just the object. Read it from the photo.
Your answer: 8:13
